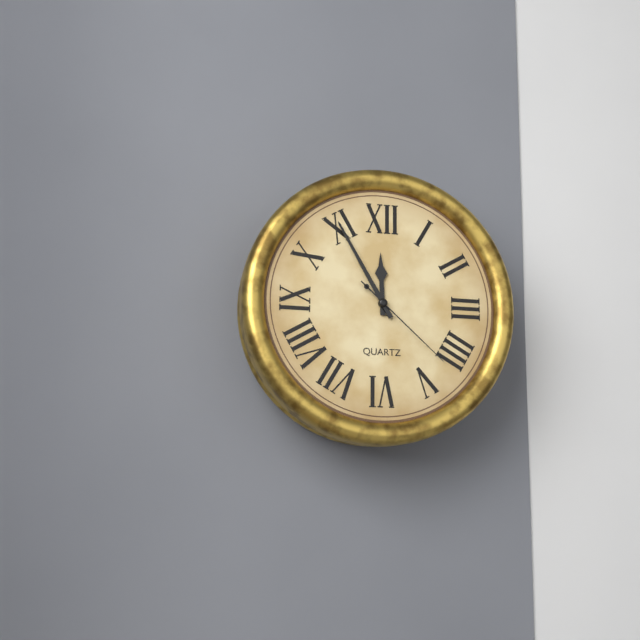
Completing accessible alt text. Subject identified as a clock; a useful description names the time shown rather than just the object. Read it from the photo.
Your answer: 11:55:22
